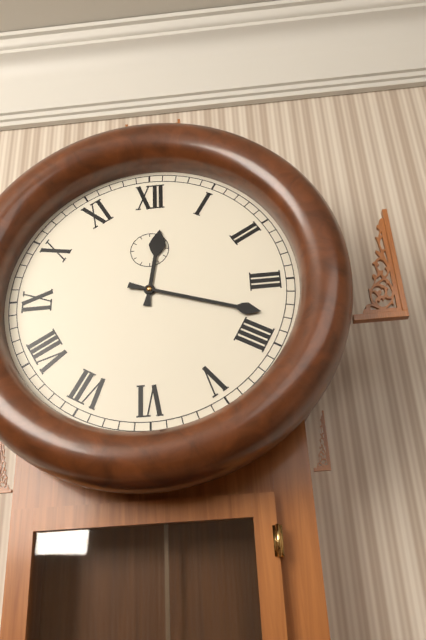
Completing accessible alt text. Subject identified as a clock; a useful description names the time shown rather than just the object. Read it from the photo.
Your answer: 12:18
